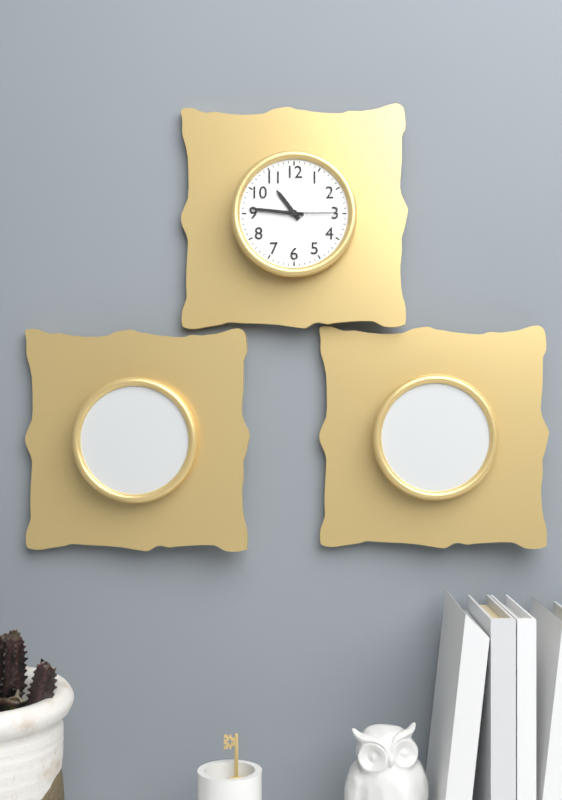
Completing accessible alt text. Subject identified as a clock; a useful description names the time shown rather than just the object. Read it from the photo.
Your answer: 10:46:15
